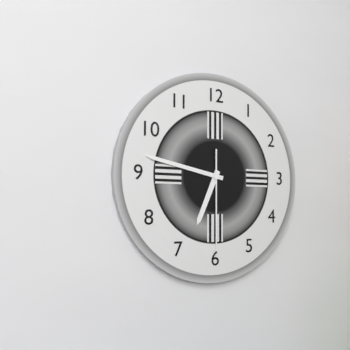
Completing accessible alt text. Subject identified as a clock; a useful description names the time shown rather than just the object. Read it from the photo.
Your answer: 6:47:30
